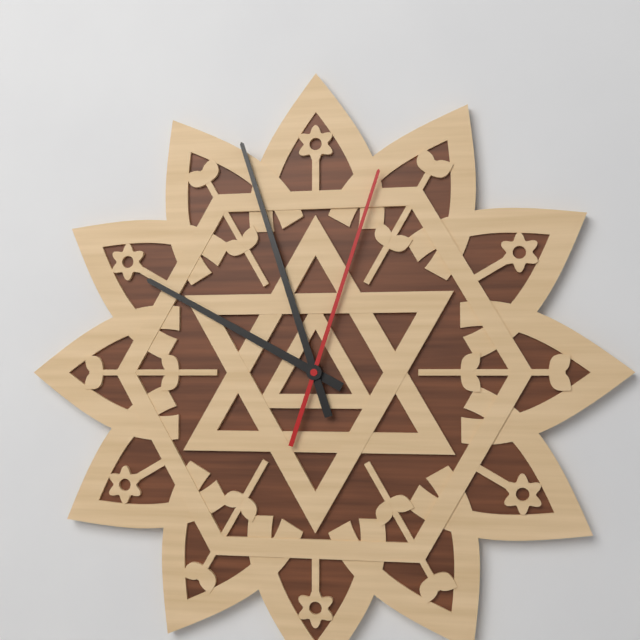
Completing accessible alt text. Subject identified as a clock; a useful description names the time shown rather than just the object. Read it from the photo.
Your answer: 9:57:03
